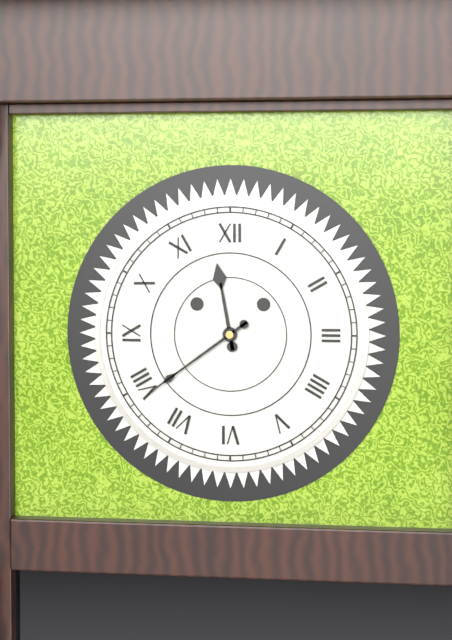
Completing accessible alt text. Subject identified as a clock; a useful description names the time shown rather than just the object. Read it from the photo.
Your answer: 11:39
